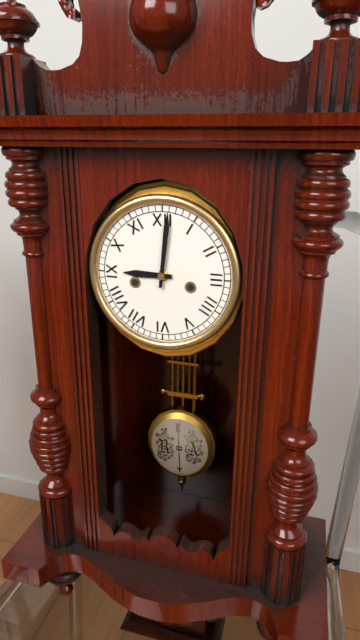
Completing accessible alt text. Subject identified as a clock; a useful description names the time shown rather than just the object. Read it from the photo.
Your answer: 9:01
